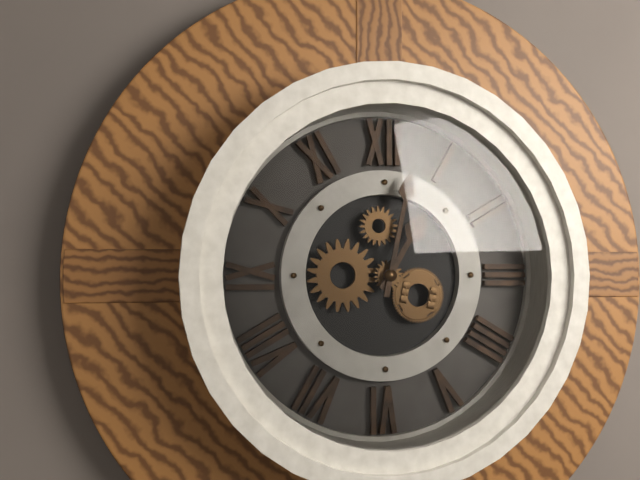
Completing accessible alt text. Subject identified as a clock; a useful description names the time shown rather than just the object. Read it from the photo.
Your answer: 1:02
